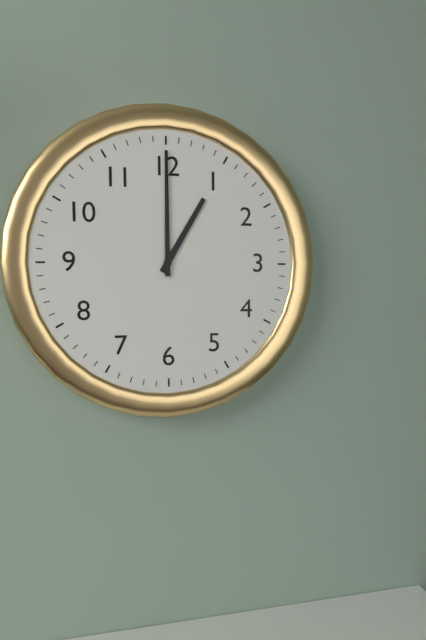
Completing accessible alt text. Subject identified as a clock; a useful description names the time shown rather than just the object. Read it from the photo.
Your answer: 1:00
